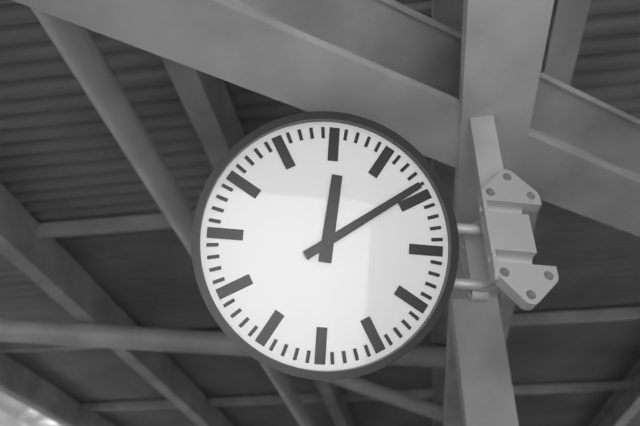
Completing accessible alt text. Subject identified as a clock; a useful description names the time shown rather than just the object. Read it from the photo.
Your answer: 12:09
